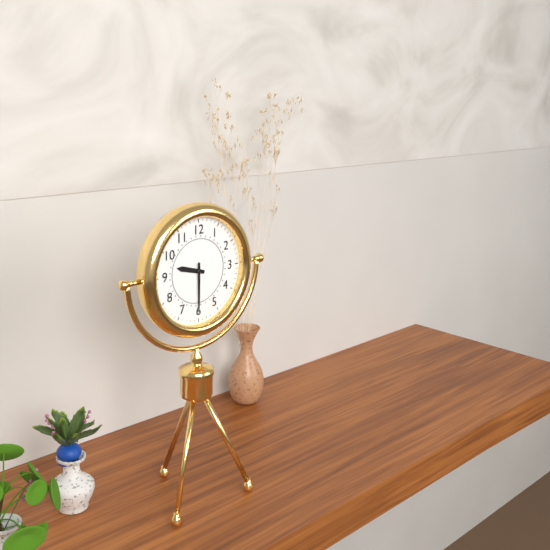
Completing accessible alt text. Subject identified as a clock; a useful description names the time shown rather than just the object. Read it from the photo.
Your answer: 9:30
